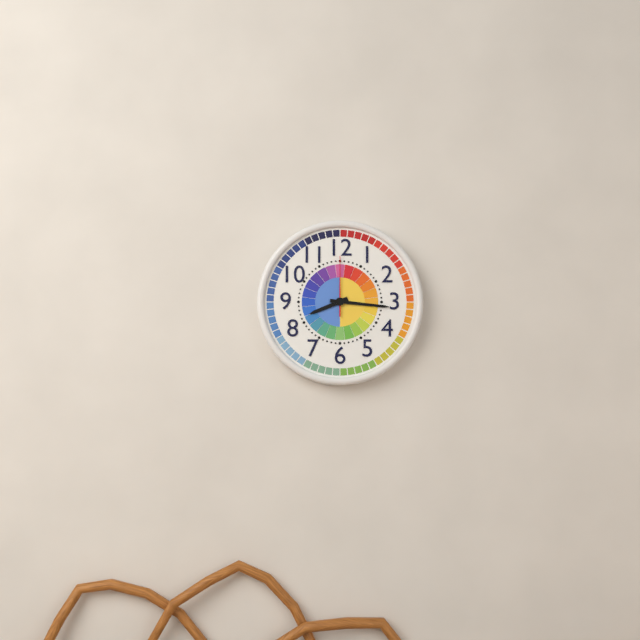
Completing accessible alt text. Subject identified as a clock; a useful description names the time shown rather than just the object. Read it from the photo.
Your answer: 8:16:00
